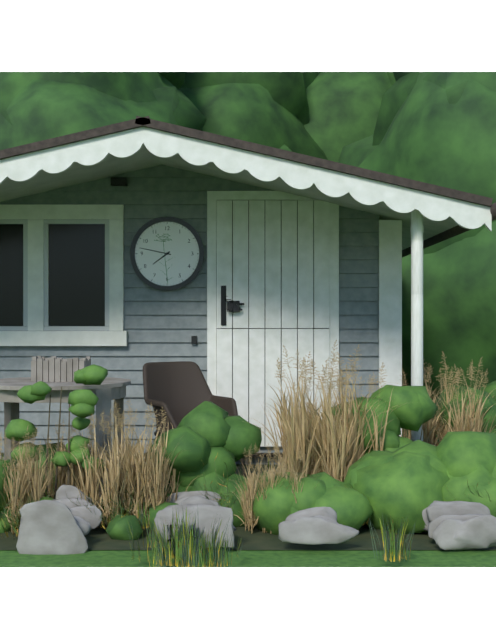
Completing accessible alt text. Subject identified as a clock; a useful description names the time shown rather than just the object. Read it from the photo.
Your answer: 7:47
